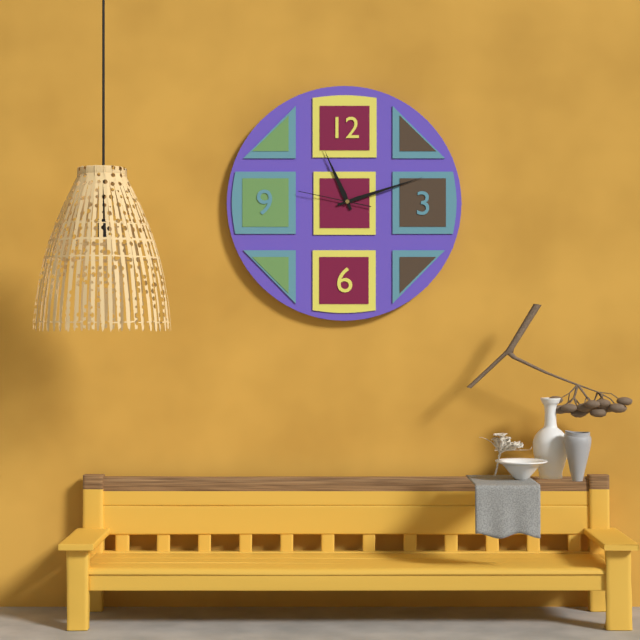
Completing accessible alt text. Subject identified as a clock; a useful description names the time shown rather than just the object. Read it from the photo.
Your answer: 11:12:47
